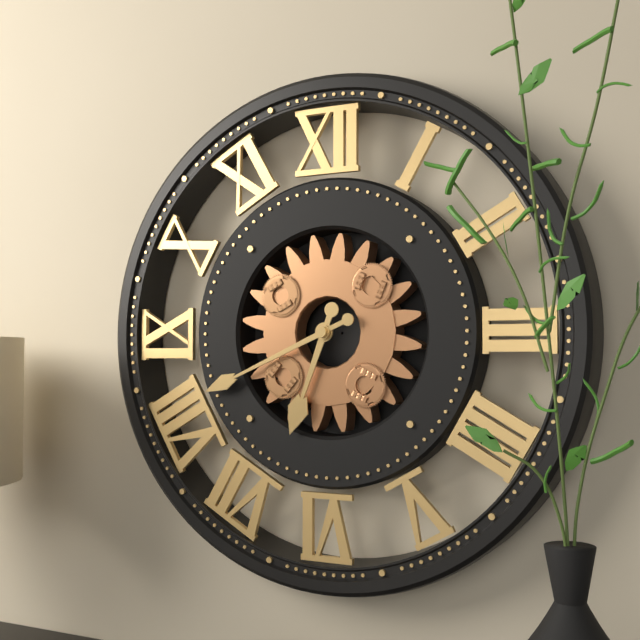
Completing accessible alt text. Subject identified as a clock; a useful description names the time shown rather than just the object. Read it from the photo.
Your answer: 6:41
